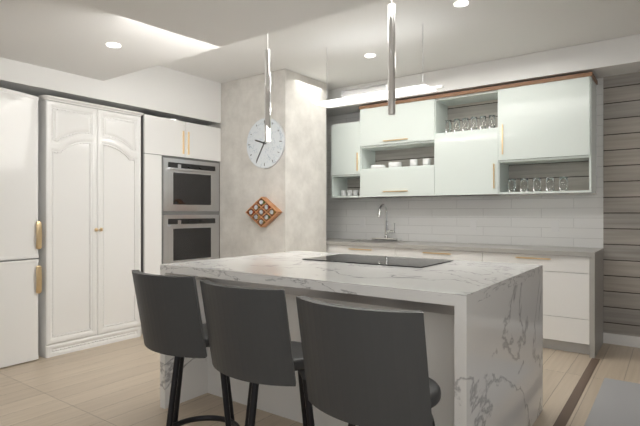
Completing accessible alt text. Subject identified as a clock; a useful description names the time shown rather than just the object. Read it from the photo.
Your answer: 9:35
